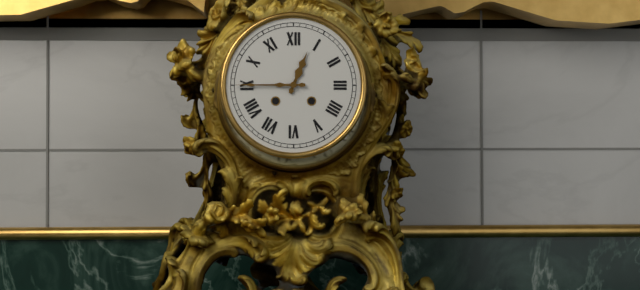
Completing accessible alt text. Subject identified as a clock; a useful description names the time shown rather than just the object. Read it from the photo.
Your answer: 12:45
